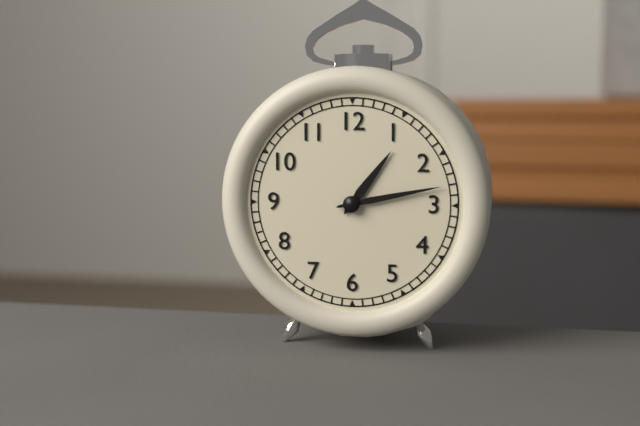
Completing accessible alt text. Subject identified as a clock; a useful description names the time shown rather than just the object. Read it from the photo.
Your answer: 1:13
